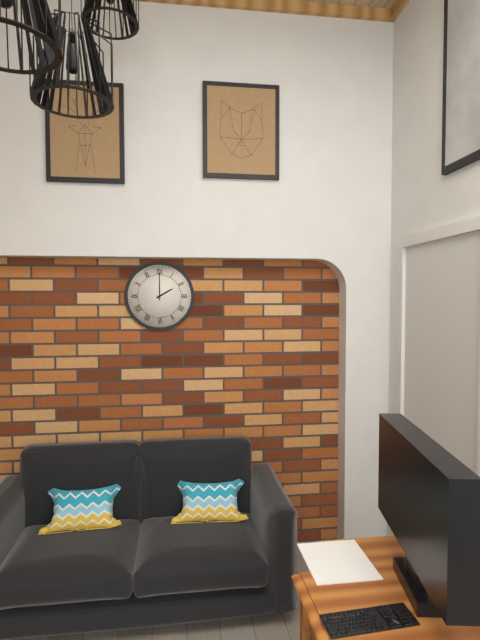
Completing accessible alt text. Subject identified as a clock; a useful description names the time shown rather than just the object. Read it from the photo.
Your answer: 2:00
